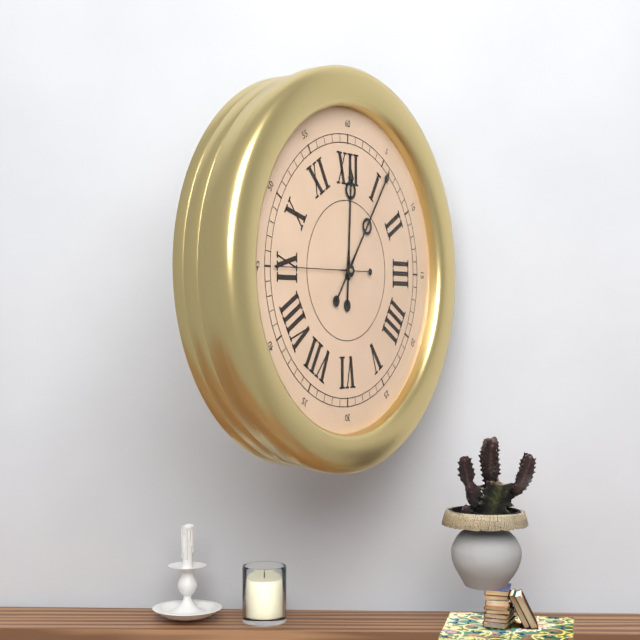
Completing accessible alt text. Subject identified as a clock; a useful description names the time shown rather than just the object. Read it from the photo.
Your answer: 12:06:45
